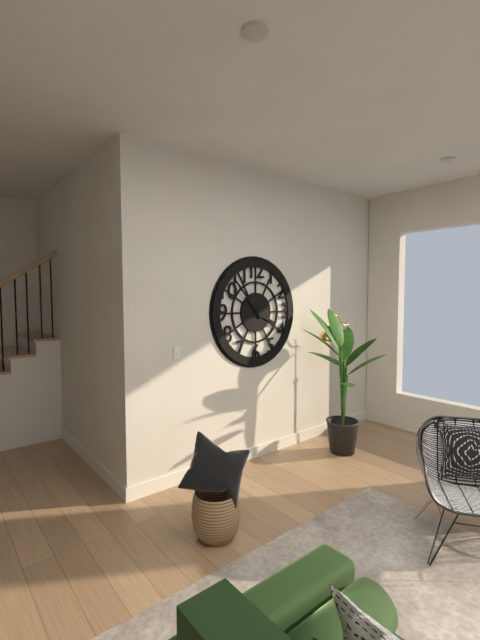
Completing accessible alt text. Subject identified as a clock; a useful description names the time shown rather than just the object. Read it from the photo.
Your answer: 3:53
